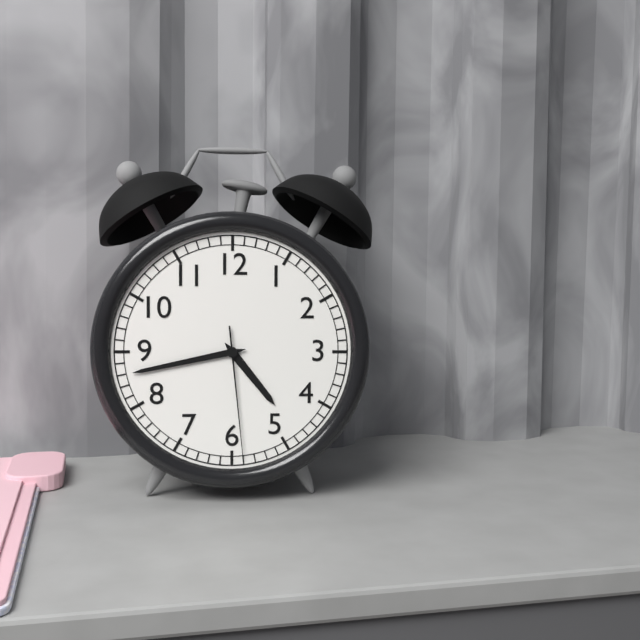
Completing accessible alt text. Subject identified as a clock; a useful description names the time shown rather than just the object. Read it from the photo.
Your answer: 4:43:29
